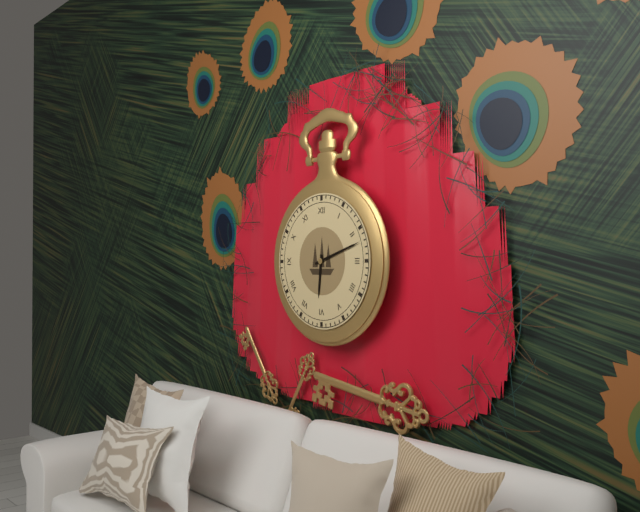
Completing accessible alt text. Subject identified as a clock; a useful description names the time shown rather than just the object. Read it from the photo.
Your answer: 6:12
